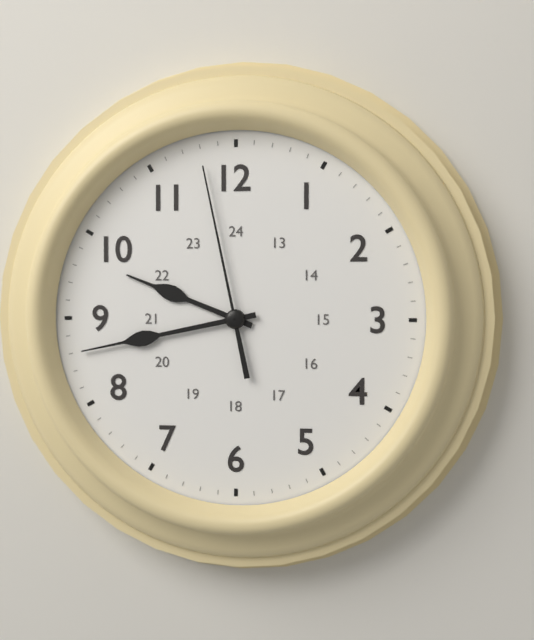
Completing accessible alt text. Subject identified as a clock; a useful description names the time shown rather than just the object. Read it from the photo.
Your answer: 9:43:58
